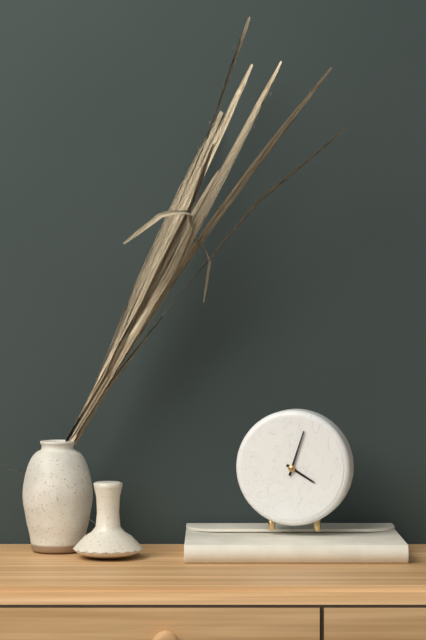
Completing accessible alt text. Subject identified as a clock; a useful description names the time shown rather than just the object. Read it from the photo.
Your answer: 4:03
